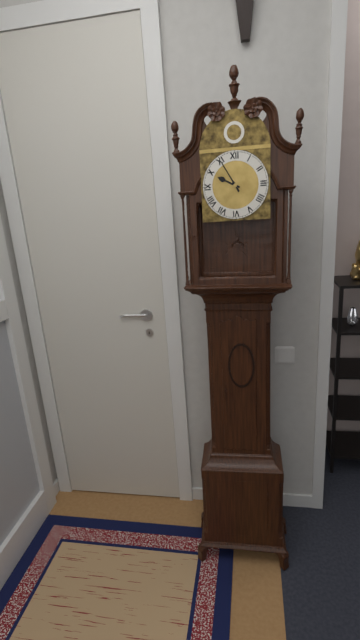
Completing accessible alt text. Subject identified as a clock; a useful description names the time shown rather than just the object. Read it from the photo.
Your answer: 9:55
